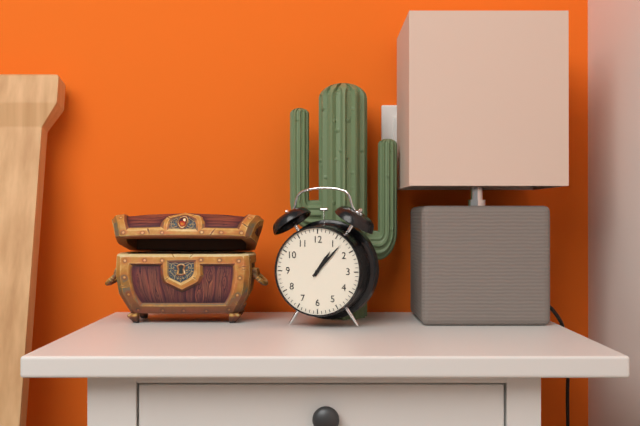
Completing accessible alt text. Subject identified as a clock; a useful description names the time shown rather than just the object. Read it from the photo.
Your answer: 1:07
